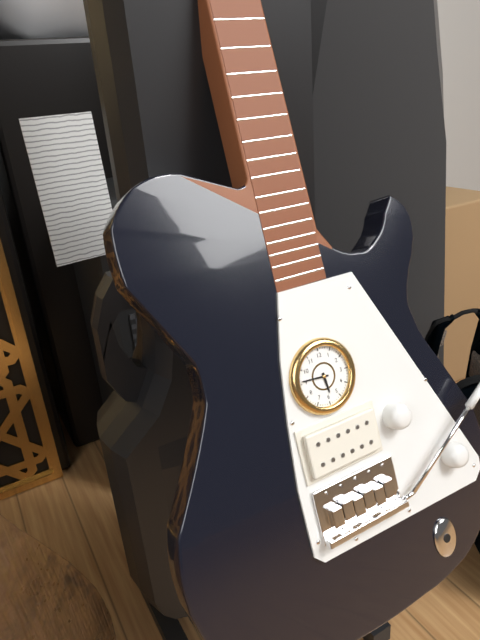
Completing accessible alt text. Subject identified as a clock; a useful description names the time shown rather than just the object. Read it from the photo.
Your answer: 5:46
